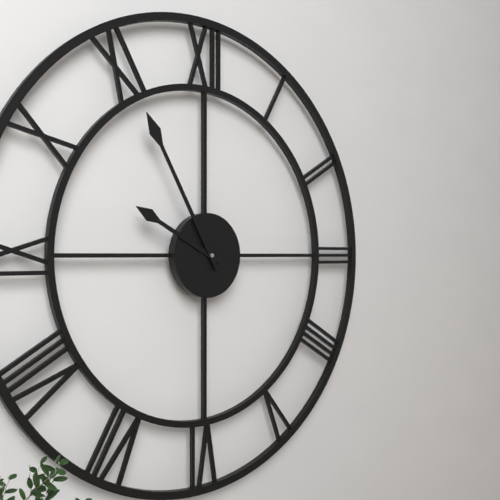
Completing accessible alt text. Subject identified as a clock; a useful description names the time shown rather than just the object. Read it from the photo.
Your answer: 9:55
